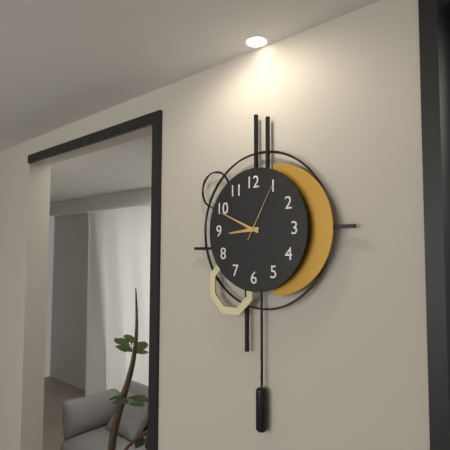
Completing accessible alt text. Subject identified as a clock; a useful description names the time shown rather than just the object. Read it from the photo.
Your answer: 8:49:05
